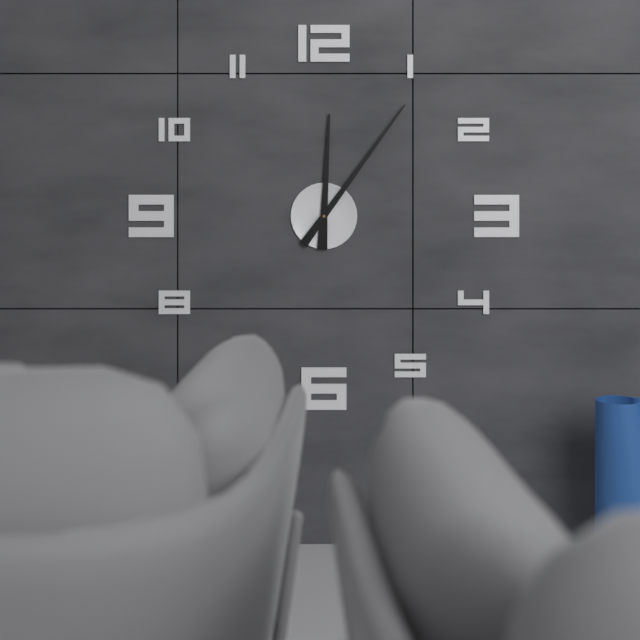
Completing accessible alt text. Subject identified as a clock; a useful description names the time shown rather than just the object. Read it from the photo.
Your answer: 12:06
